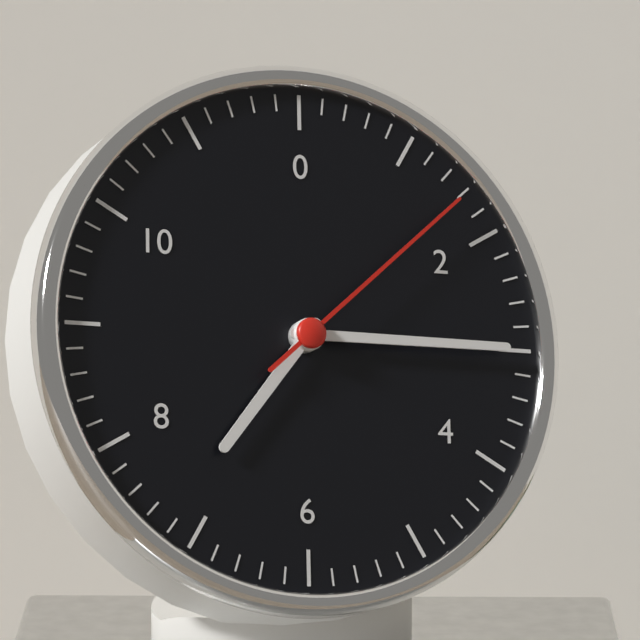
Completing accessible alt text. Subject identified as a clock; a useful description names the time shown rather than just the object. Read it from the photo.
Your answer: 7:15:08
